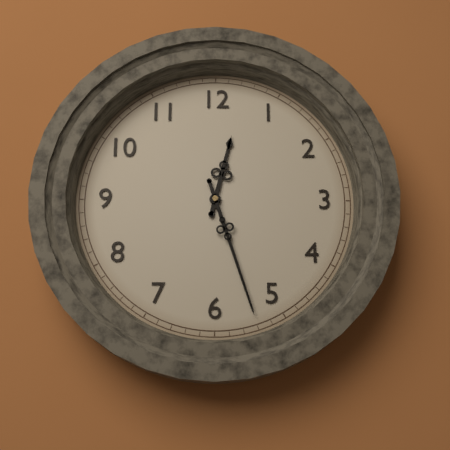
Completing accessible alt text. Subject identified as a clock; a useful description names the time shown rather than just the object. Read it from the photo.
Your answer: 12:27
